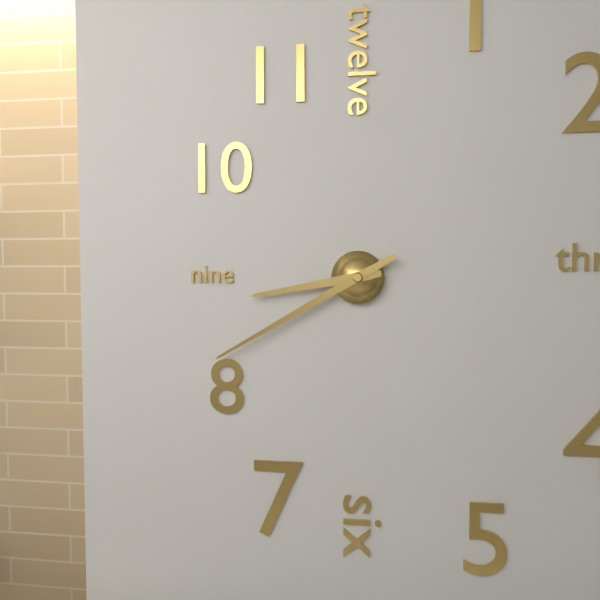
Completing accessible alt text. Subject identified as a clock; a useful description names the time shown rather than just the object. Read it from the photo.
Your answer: 8:40
